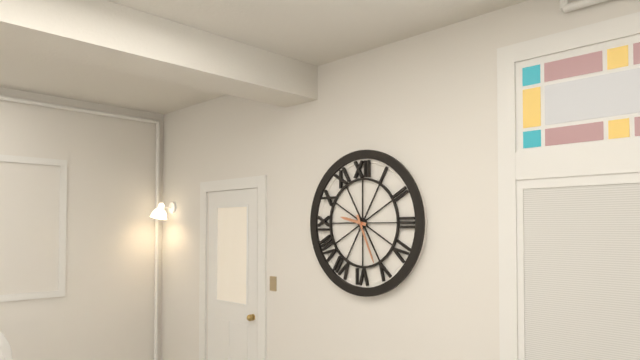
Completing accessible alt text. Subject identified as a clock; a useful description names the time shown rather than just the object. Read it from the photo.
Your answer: 9:26
